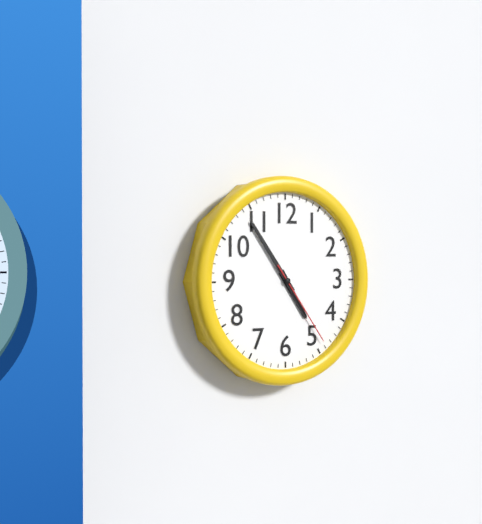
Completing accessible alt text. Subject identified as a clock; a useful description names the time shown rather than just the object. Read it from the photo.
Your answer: 4:54:24
